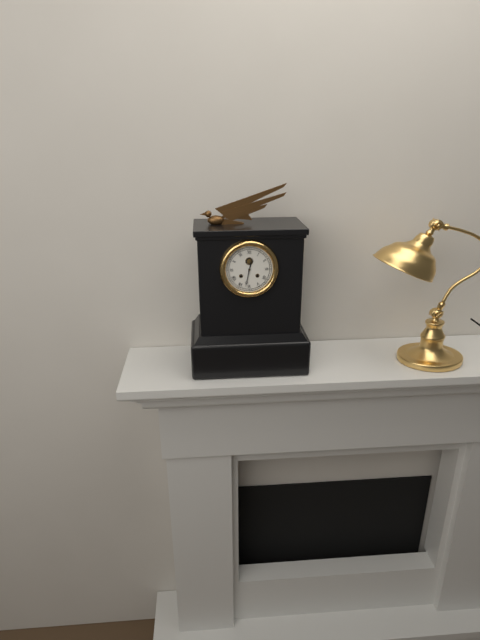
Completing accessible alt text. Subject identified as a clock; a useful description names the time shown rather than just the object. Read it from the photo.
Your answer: 12:32
